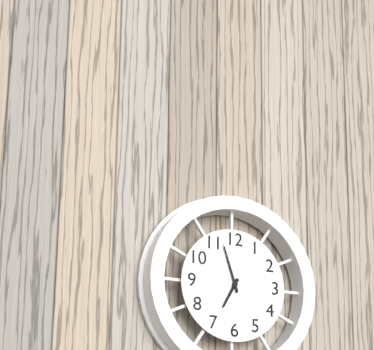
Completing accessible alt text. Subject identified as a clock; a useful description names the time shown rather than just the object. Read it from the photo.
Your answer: 6:57
